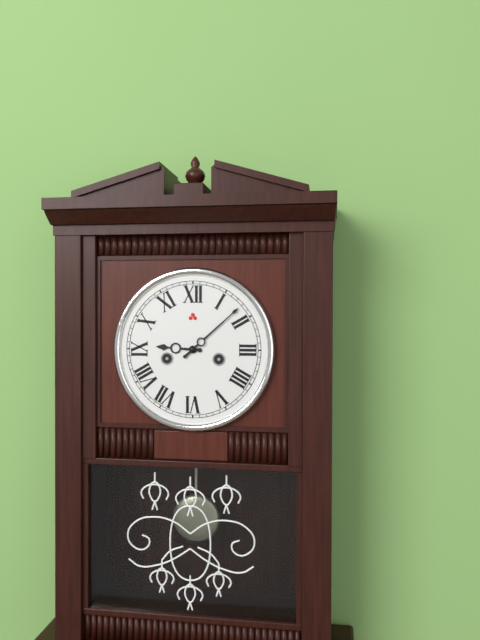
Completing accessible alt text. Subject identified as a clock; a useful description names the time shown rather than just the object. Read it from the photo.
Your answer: 9:08
